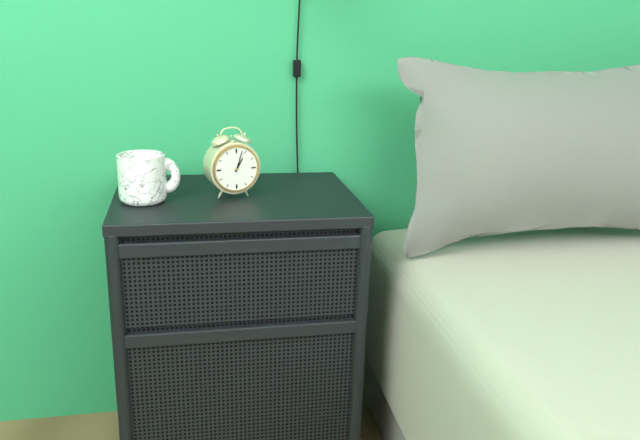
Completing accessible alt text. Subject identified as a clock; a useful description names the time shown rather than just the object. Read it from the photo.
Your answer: 1:03
